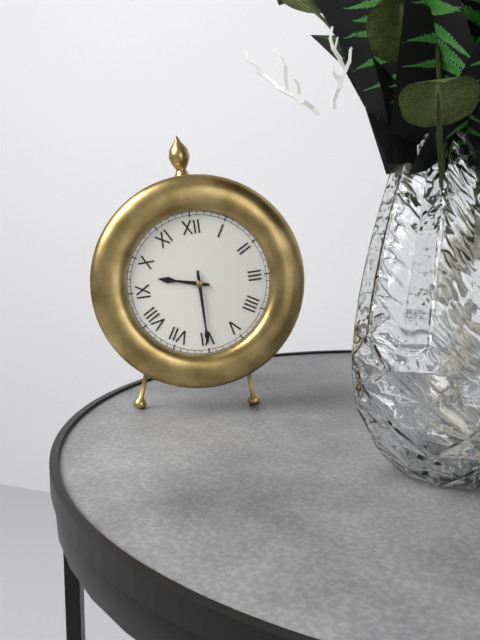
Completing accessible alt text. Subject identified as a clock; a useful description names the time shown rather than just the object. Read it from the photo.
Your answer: 9:30
